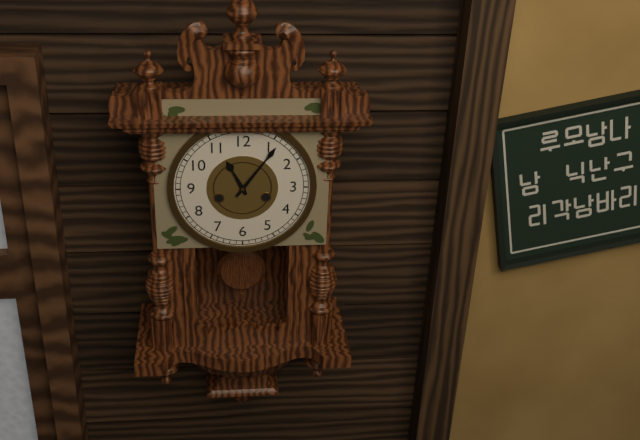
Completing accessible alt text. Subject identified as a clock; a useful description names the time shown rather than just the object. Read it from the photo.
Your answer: 11:06
